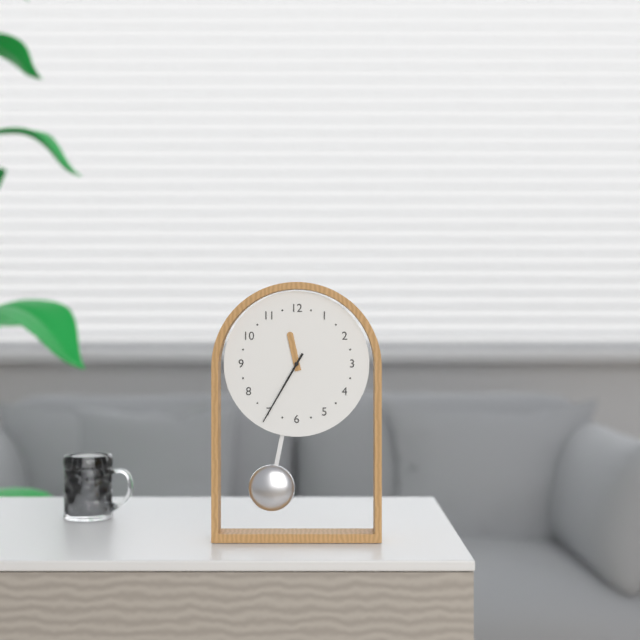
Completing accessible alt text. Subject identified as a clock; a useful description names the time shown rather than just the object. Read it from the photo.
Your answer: 11:35
